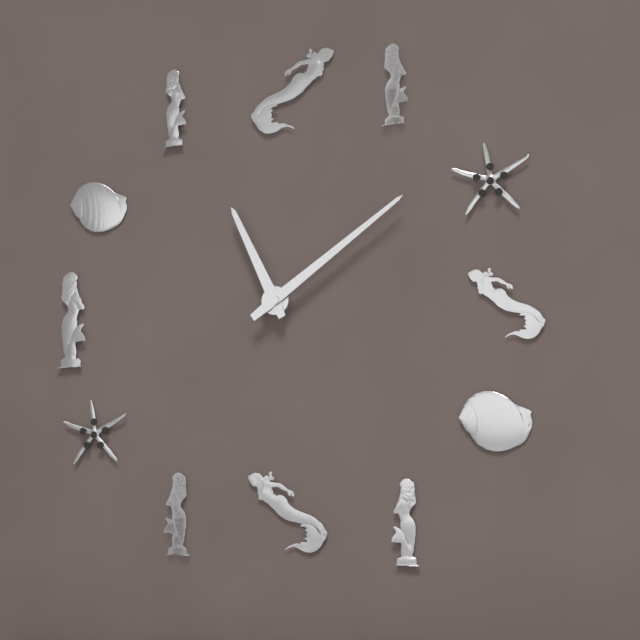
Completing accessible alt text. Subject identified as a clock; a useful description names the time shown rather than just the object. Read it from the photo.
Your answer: 11:09
